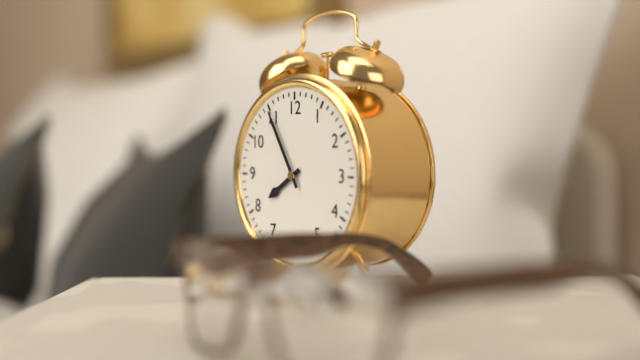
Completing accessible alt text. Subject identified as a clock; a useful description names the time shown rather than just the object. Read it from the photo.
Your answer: 7:55
